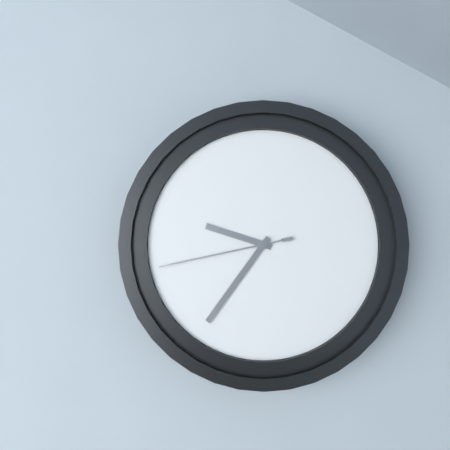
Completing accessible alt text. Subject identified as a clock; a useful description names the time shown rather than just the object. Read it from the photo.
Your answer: 9:36:43
